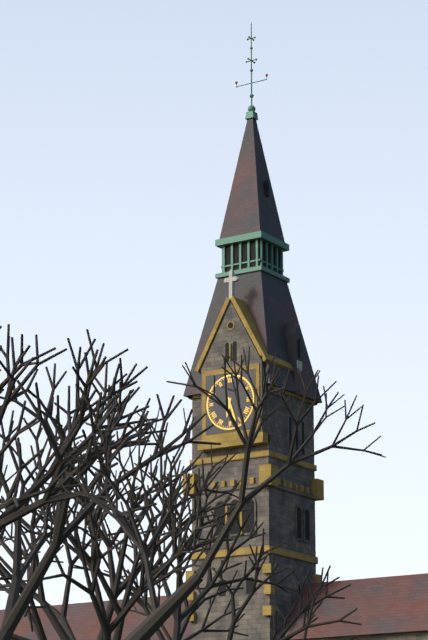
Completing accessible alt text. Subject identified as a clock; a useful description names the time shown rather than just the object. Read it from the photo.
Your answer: 6:27
